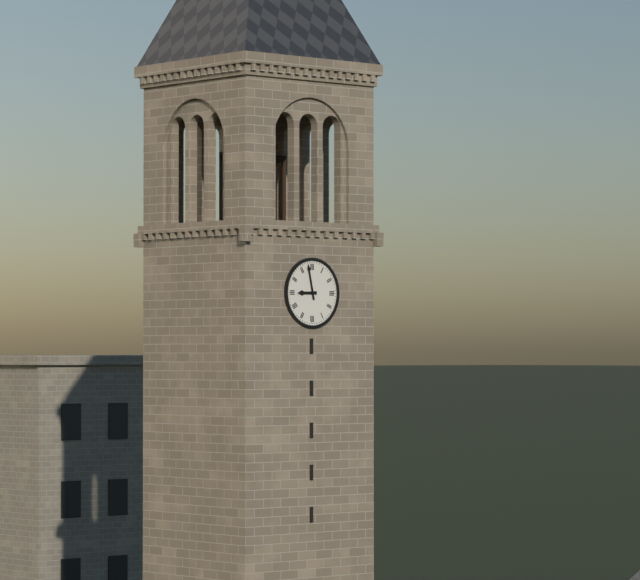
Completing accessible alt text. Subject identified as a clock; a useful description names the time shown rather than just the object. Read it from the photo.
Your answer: 8:58
